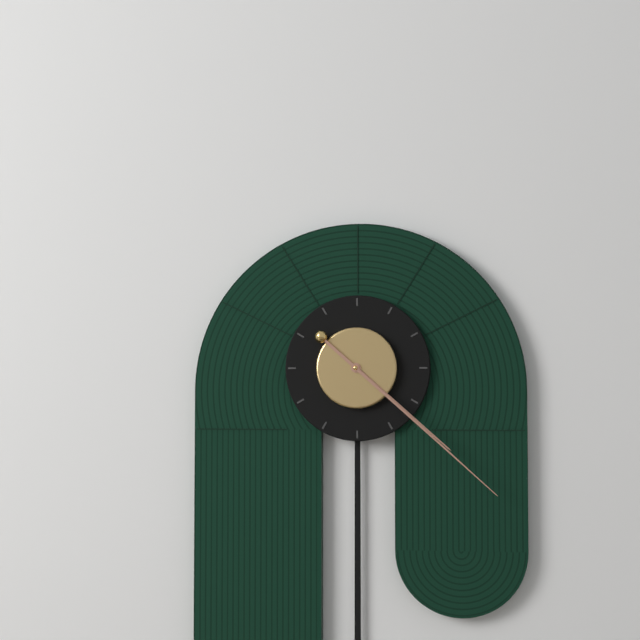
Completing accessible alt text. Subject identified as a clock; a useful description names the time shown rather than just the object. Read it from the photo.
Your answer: 4:22
